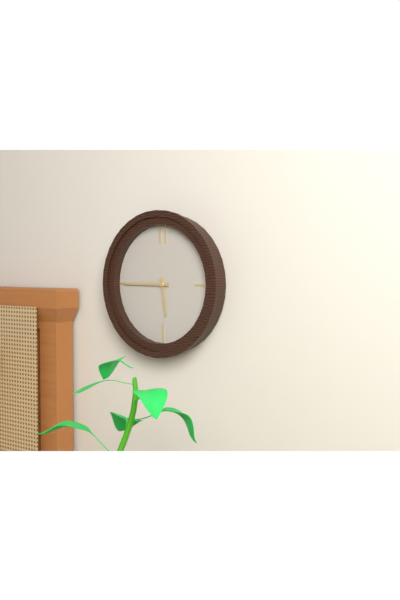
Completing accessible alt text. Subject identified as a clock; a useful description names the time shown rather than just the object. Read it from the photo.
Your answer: 5:45
